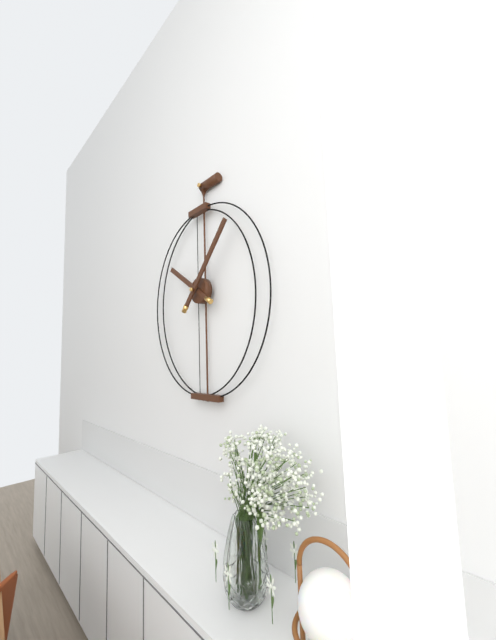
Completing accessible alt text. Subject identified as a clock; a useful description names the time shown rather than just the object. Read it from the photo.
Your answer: 10:07
